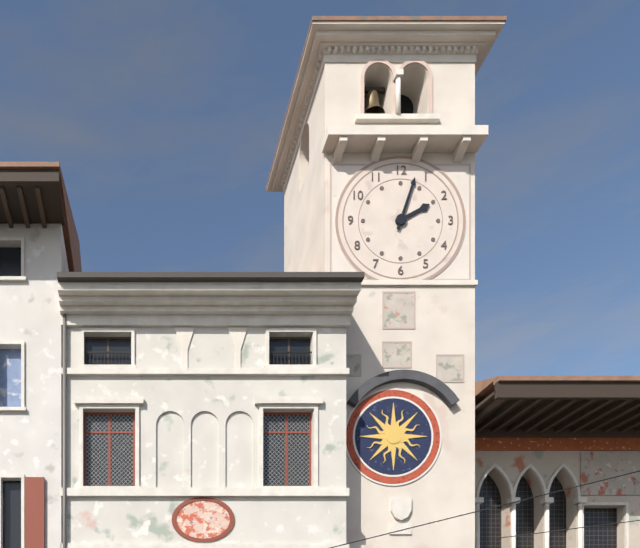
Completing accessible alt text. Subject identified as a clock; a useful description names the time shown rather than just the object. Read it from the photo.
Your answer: 2:03
